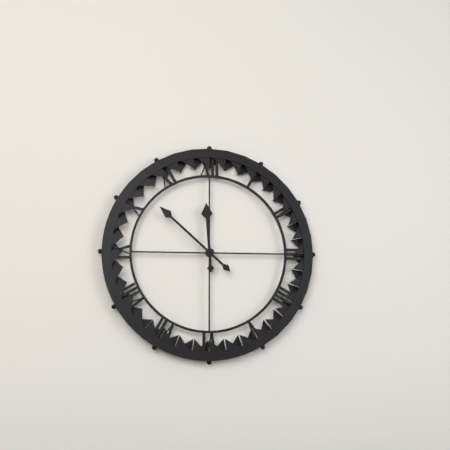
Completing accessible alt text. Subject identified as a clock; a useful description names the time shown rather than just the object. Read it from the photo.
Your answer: 11:52
